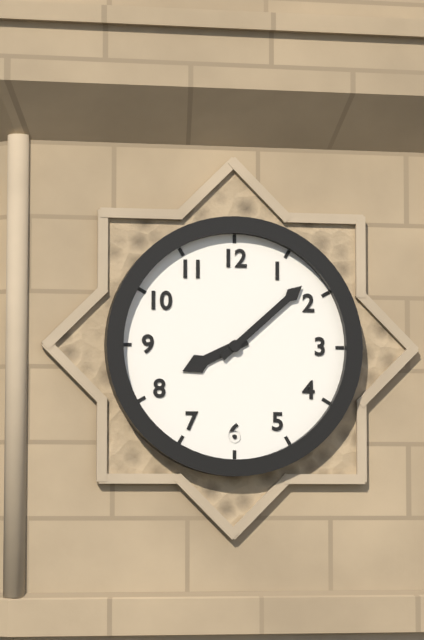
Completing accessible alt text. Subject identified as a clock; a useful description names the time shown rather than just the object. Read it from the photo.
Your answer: 8:08
